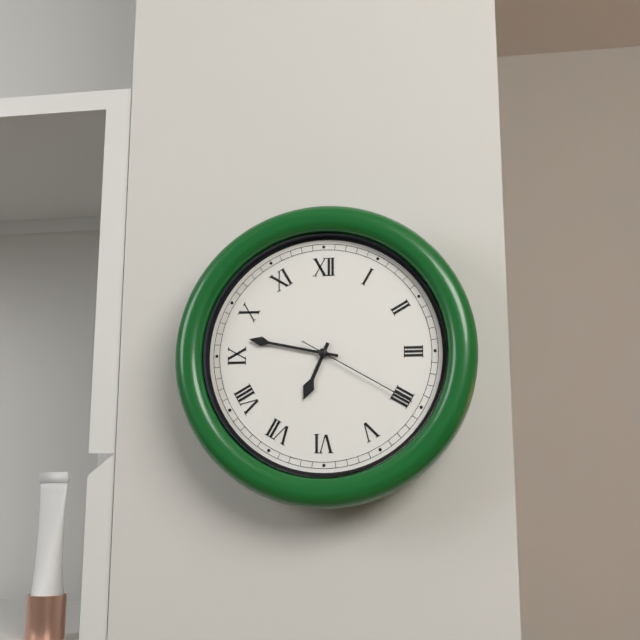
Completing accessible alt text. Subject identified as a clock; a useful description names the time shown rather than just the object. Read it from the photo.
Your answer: 6:47:20
